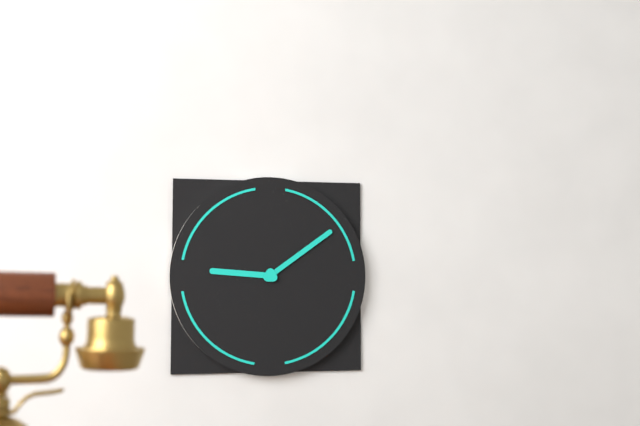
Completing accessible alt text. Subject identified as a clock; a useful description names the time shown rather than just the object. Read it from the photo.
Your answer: 9:09
